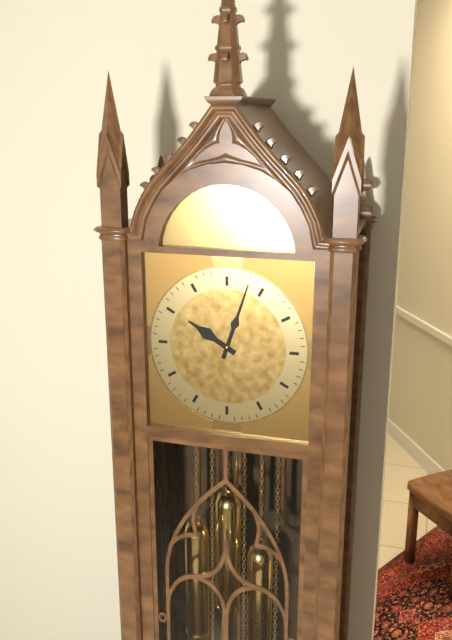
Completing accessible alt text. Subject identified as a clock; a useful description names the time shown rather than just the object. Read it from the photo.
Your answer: 10:03
